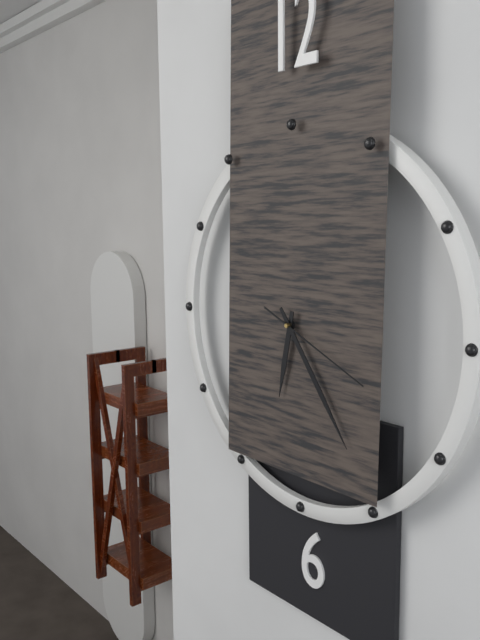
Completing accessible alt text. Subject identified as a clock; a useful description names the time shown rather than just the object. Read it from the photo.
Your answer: 6:24:19
